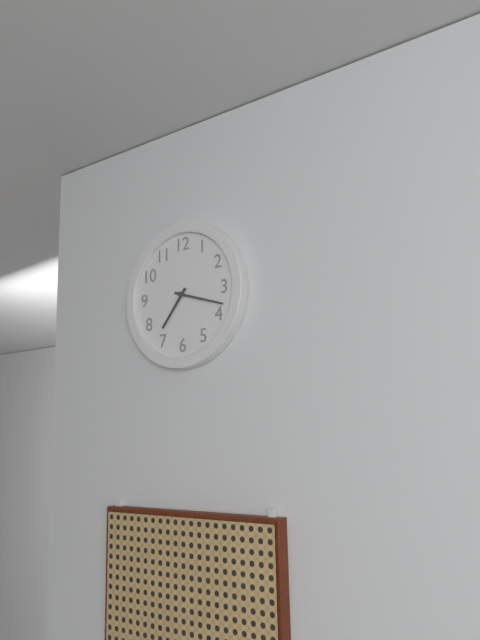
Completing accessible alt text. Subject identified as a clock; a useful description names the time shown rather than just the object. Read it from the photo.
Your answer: 7:18
